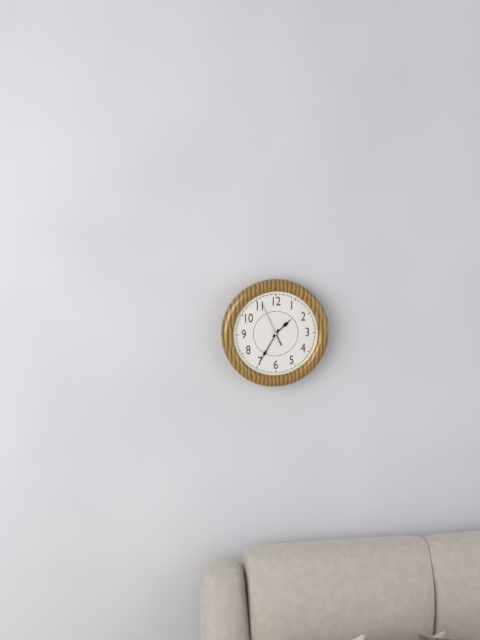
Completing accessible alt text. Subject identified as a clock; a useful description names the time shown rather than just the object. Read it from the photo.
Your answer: 1:35
